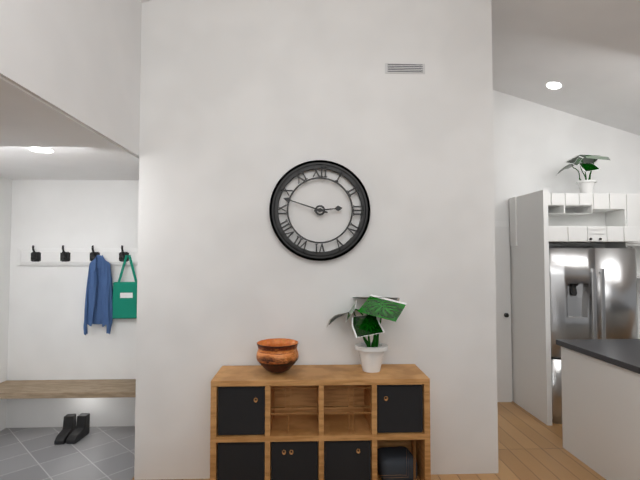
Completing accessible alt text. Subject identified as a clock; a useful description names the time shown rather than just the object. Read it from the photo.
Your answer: 2:48
